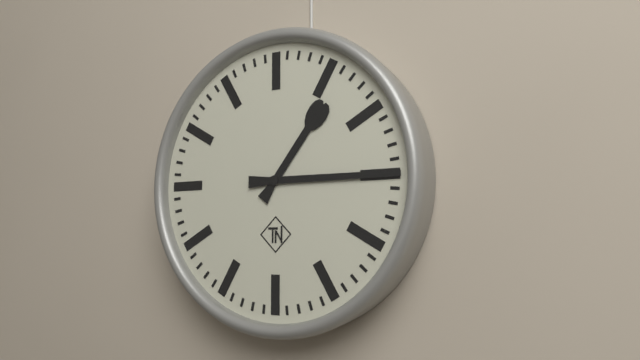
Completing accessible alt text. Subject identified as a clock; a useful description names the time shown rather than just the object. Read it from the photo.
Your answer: 1:15
